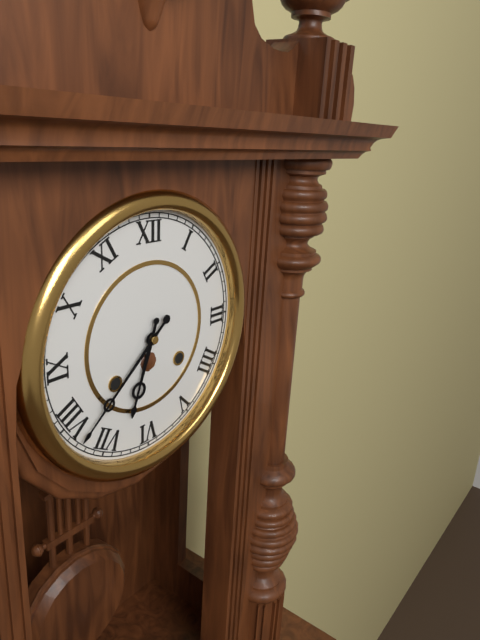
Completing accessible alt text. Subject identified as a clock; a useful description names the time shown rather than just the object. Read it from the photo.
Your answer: 6:38
